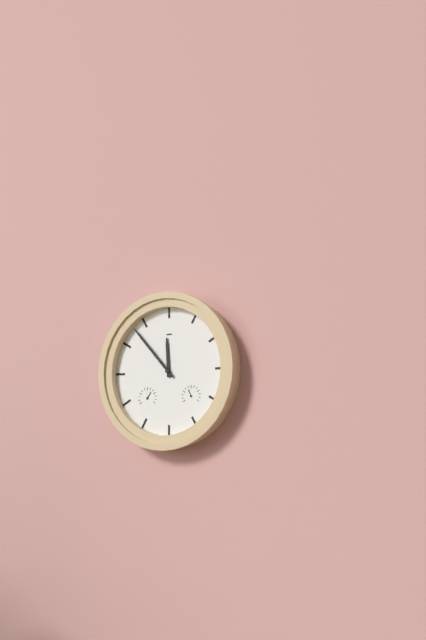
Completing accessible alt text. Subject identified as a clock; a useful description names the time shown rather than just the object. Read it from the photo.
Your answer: 11:53
